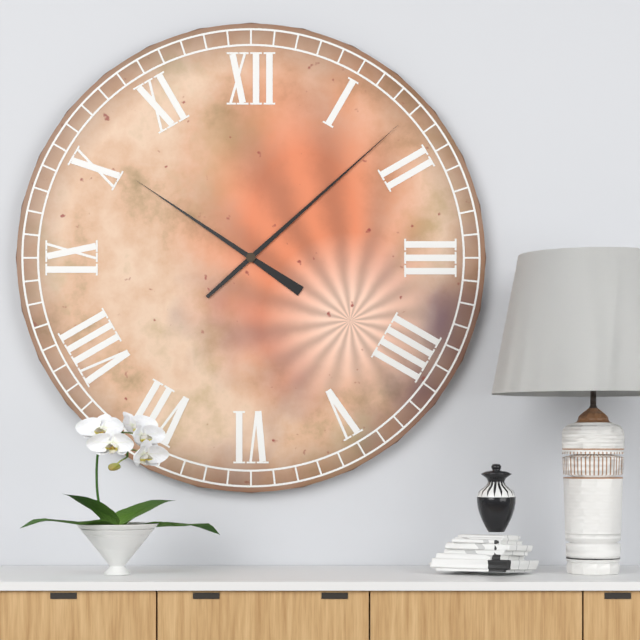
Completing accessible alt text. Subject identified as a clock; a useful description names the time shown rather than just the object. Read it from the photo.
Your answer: 10:08
